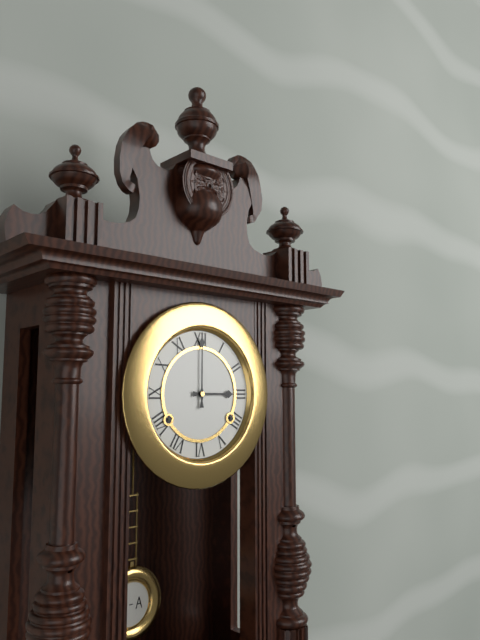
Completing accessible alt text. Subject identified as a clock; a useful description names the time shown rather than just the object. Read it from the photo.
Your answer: 3:00
